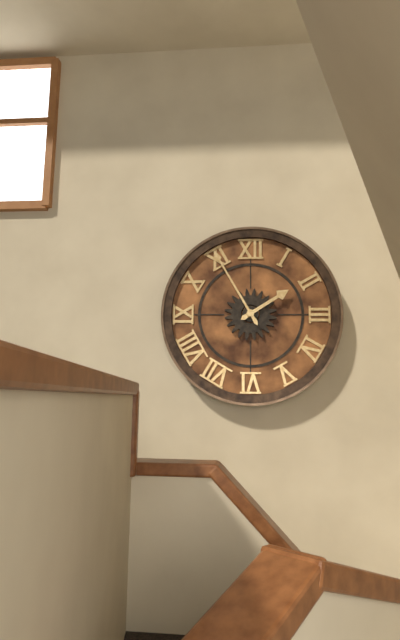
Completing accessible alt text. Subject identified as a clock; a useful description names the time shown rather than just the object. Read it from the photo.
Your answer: 1:55
